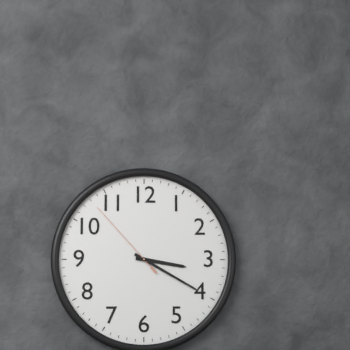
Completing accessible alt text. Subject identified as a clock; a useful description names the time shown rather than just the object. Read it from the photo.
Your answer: 3:20:53
